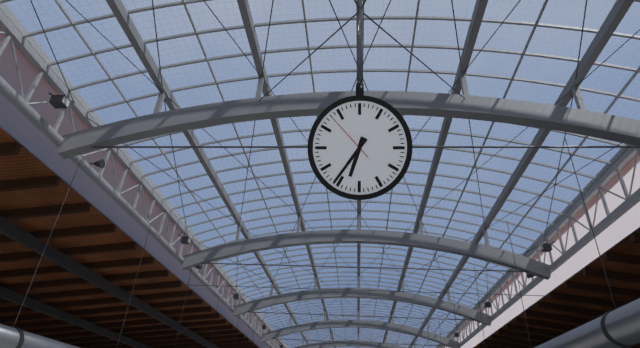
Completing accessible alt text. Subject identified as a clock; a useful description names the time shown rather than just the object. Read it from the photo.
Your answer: 6:36:53
